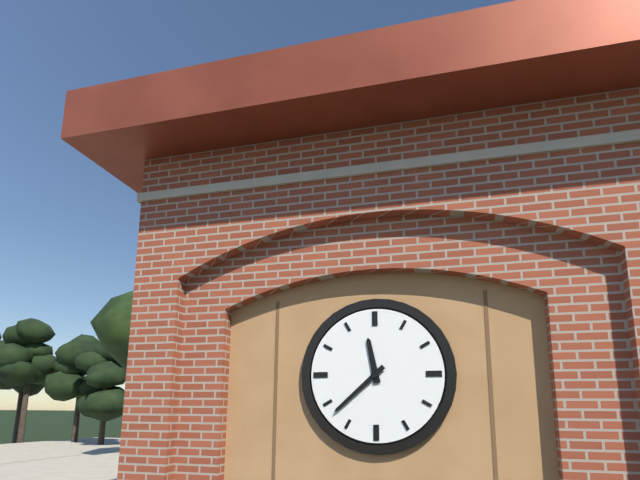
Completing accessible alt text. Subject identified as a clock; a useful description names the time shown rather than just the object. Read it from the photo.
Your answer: 11:38
